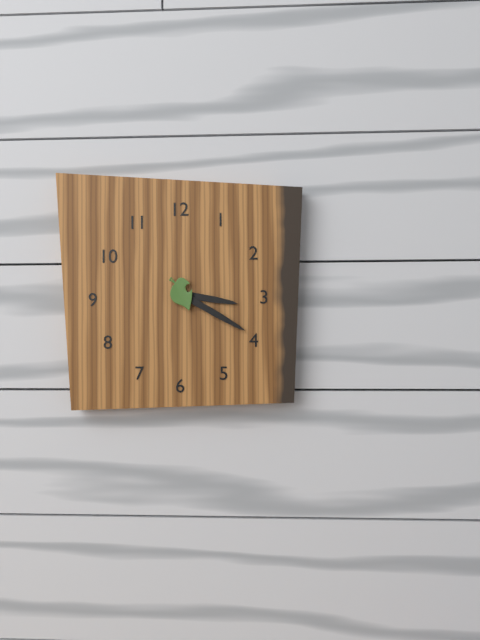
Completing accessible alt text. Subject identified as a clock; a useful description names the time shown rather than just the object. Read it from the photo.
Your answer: 3:20
